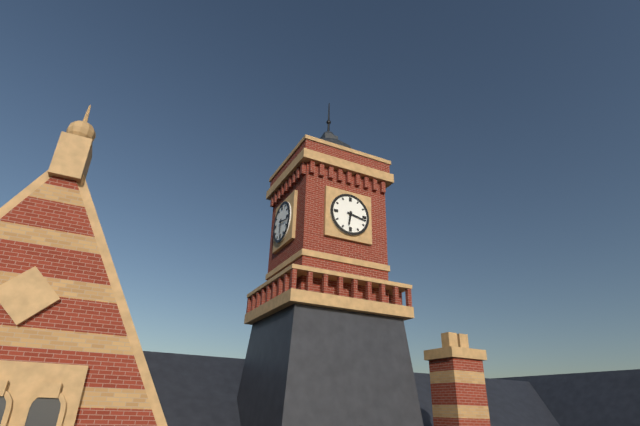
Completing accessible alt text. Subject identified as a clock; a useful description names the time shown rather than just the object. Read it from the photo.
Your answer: 6:17
